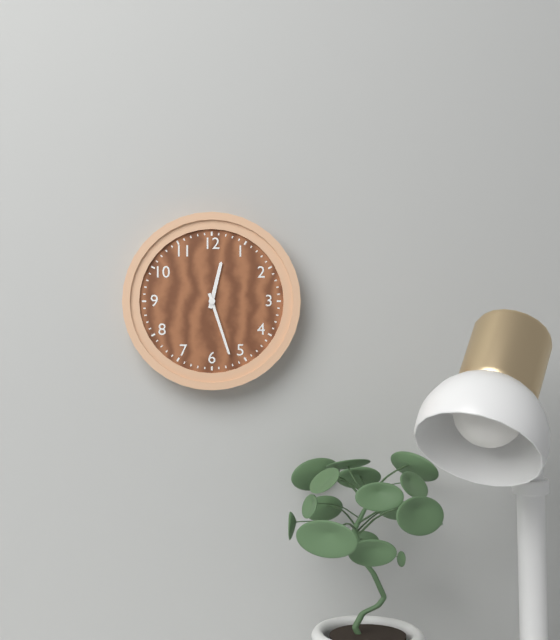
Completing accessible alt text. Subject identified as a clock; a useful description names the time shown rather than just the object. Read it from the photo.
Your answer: 12:27
